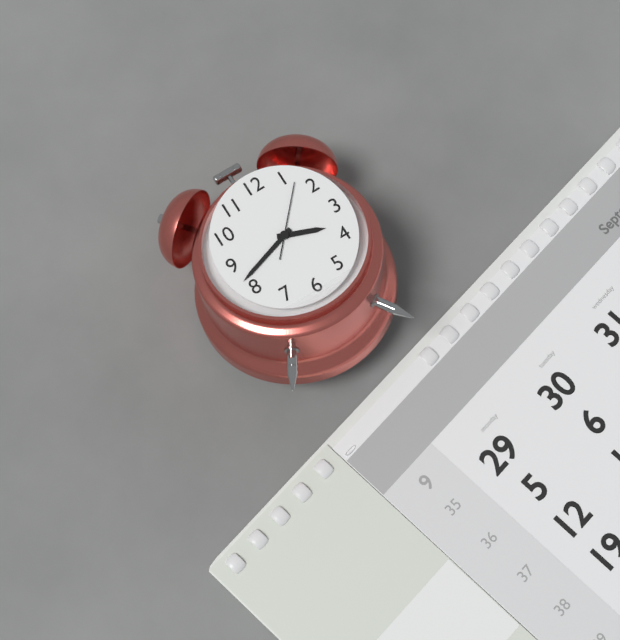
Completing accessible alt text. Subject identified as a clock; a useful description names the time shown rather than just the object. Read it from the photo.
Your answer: 3:42:07
